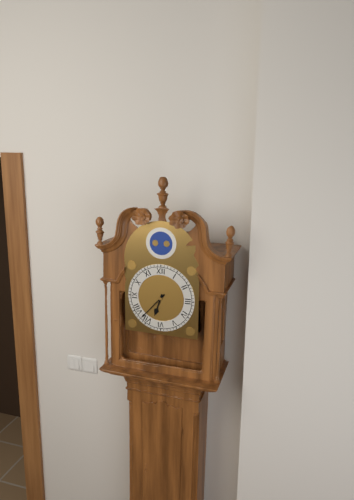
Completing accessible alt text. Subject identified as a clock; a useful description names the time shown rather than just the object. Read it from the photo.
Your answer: 6:37
